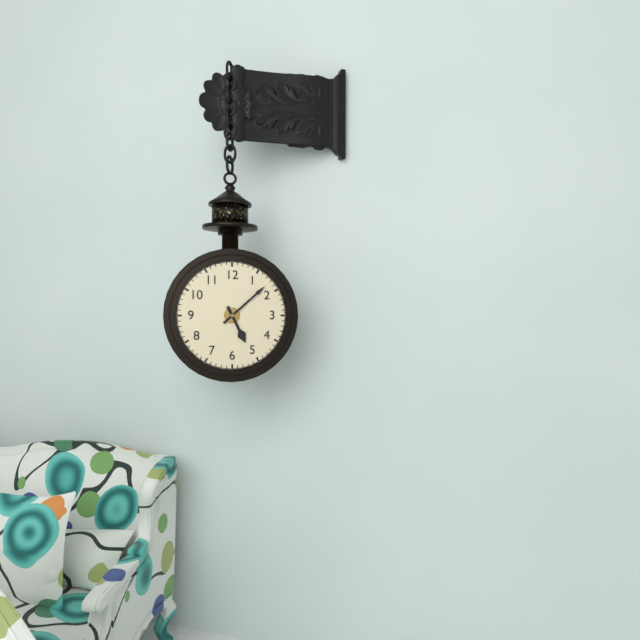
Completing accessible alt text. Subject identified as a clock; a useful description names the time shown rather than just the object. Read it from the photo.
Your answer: 5:08
